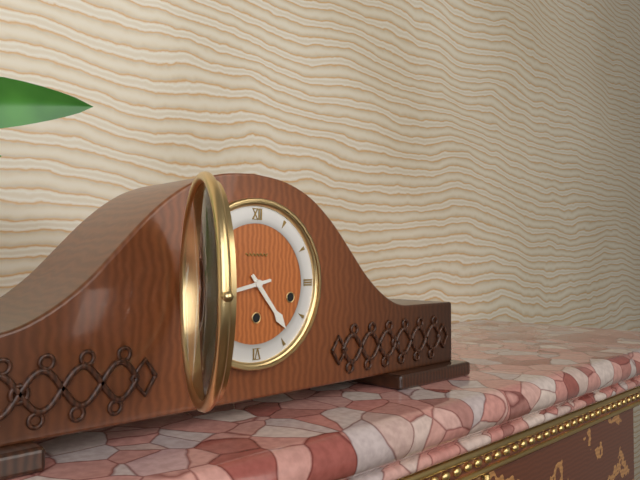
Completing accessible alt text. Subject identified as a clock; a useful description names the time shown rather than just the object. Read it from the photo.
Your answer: 4:43
